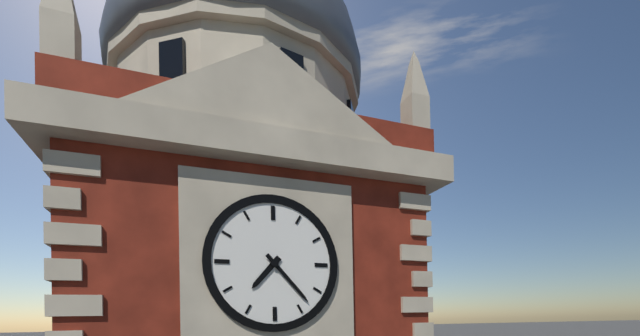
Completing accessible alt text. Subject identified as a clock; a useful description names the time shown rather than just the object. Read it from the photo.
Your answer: 7:23
